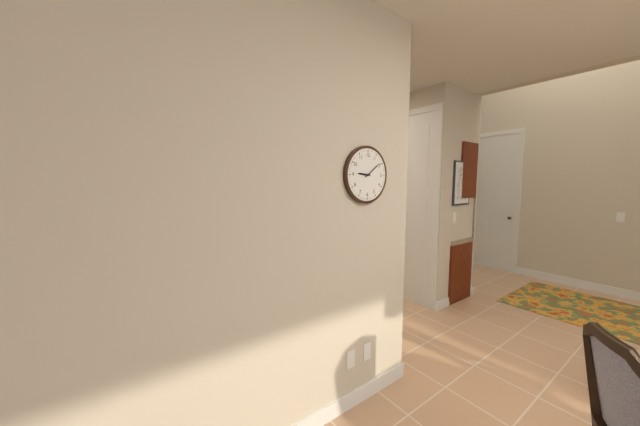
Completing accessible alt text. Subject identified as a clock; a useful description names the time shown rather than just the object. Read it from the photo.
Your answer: 9:09
